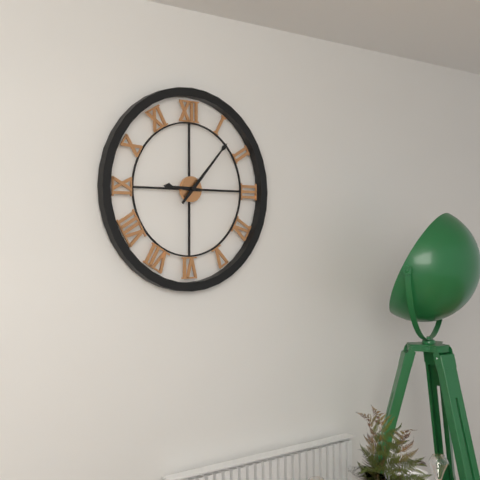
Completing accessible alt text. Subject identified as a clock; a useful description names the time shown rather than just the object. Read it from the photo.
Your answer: 9:07
